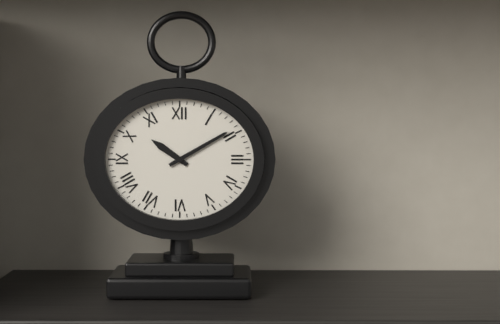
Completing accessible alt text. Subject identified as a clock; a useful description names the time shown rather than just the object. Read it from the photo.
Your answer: 10:10
